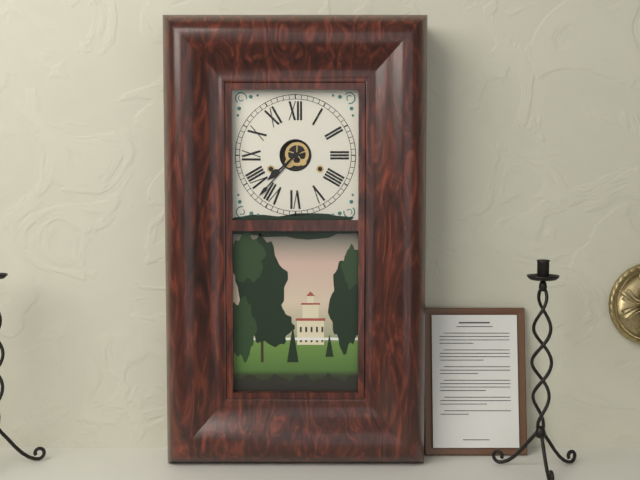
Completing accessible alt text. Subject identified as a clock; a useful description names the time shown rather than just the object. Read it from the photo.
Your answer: 7:37
